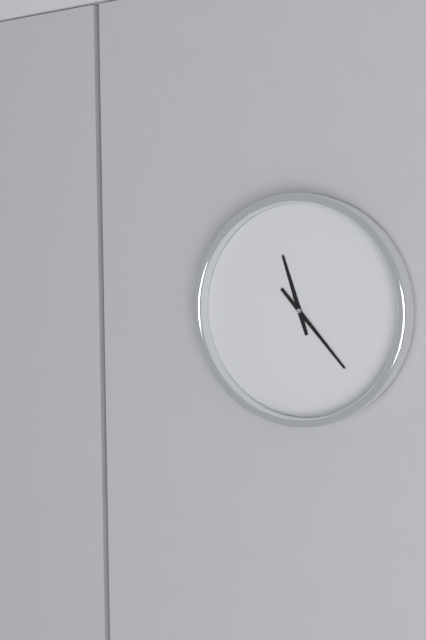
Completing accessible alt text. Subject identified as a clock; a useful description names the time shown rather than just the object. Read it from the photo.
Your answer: 11:23
